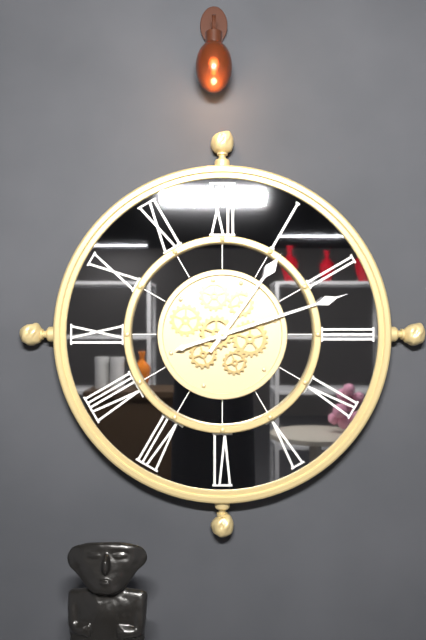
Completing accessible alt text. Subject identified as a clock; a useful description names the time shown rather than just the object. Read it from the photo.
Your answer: 1:12
